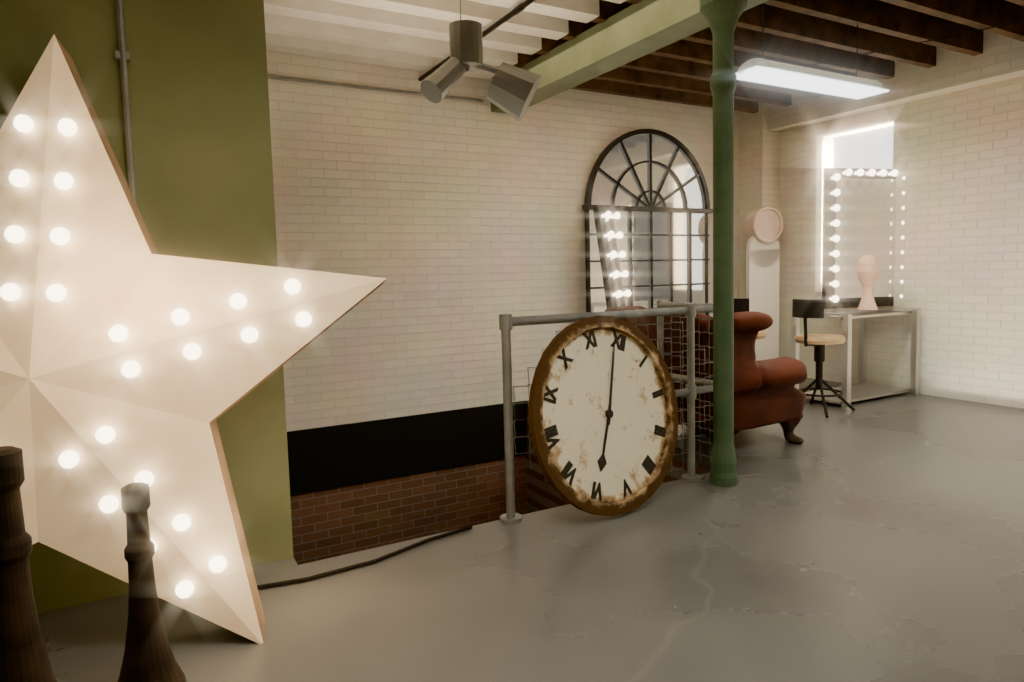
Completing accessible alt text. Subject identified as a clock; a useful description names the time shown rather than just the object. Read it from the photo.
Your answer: 5:59
